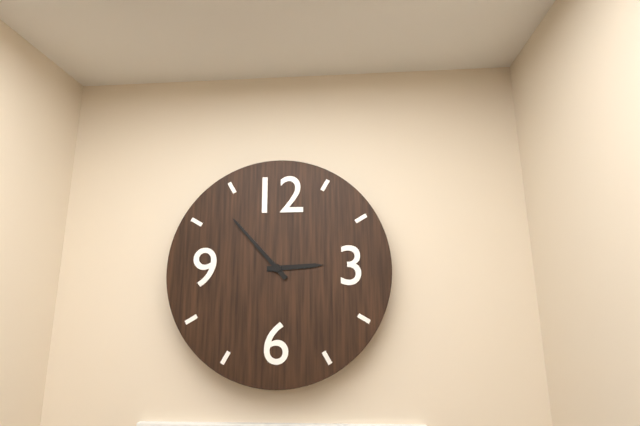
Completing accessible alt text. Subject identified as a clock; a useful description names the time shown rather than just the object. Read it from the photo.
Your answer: 2:53
